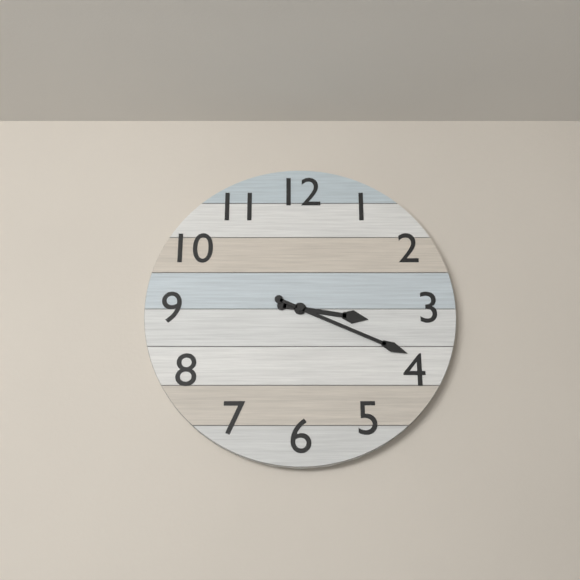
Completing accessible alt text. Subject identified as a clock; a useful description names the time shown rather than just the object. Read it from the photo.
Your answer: 3:19
